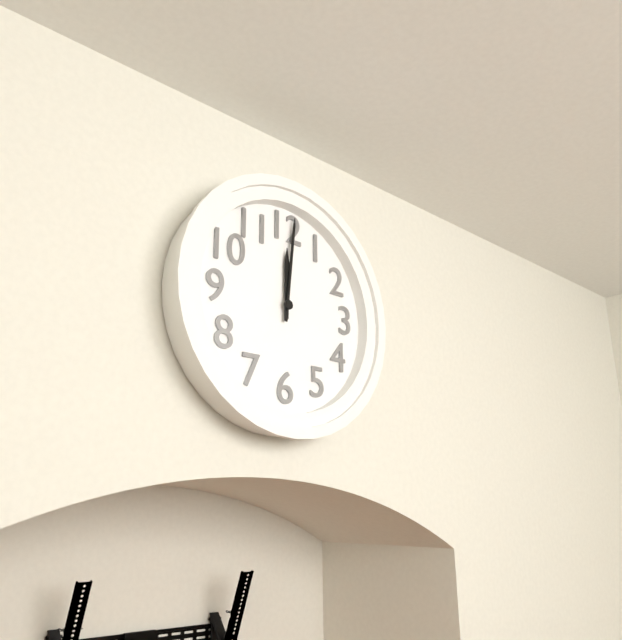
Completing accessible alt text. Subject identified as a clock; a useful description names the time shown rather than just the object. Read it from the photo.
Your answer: 12:01
